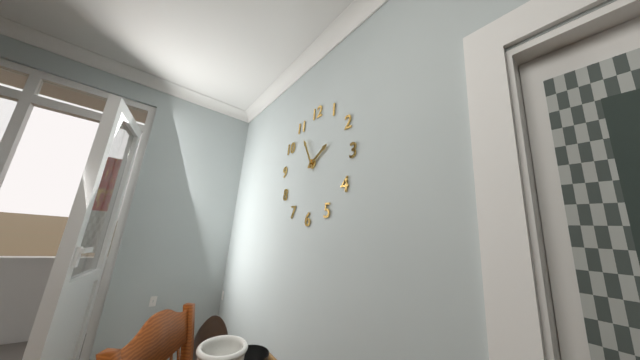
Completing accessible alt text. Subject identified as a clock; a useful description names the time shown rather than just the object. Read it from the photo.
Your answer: 1:55
